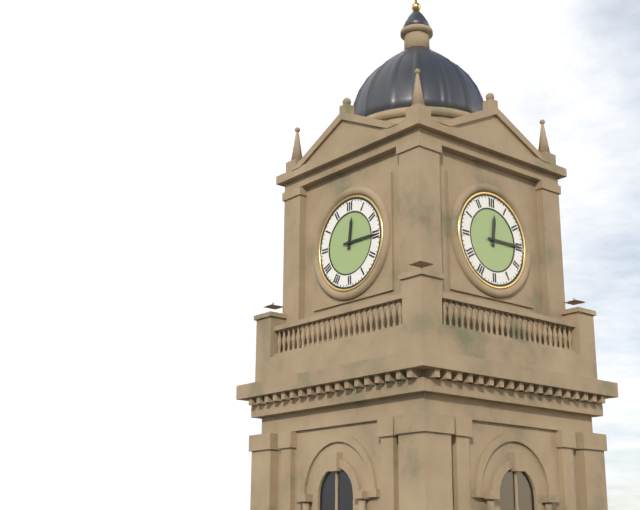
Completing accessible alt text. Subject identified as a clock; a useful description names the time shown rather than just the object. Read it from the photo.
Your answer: 12:15
